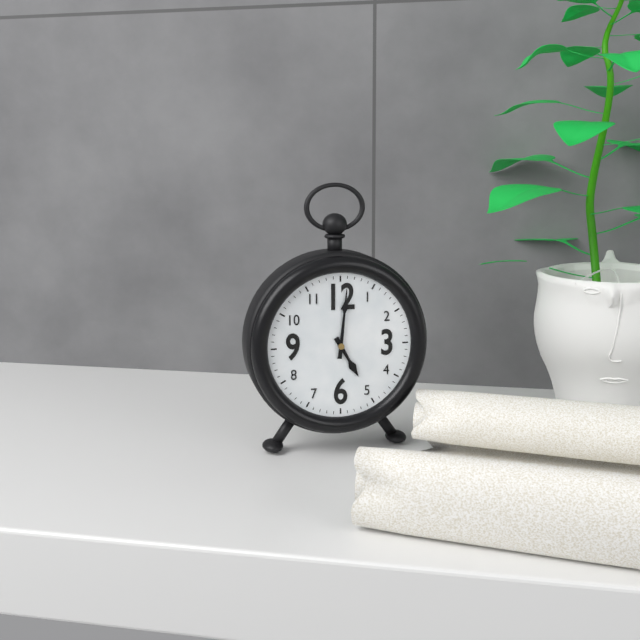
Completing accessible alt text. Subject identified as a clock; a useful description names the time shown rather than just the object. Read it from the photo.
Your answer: 5:01
